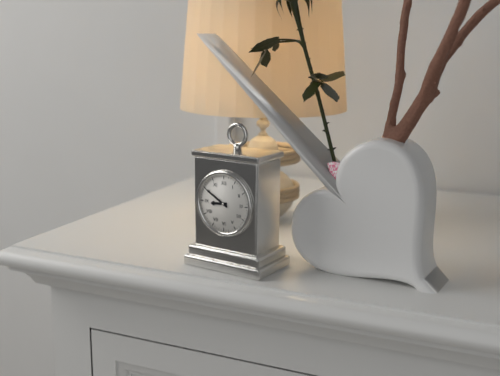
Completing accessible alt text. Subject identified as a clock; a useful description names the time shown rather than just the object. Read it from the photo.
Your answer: 8:50
